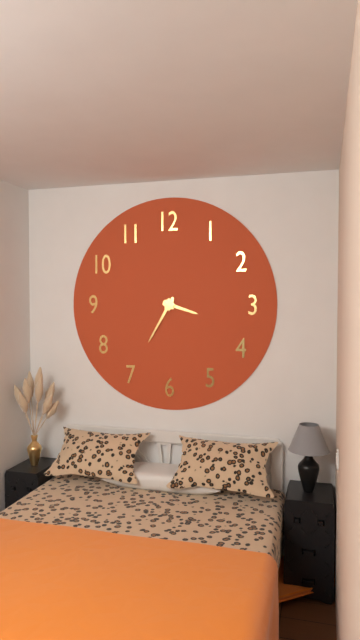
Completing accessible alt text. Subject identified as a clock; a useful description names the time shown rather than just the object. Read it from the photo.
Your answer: 3:35
